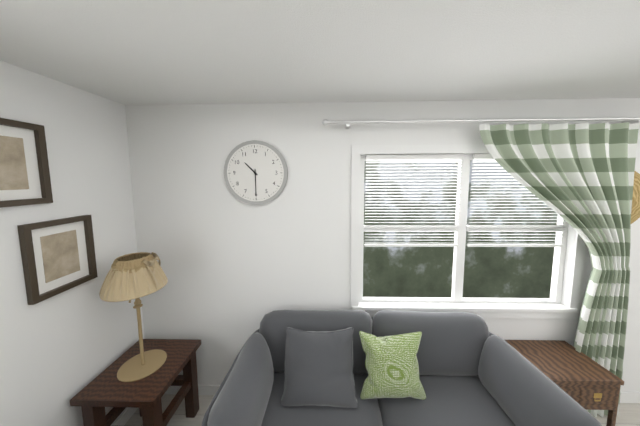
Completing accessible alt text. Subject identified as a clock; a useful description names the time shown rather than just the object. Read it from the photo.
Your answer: 10:30
